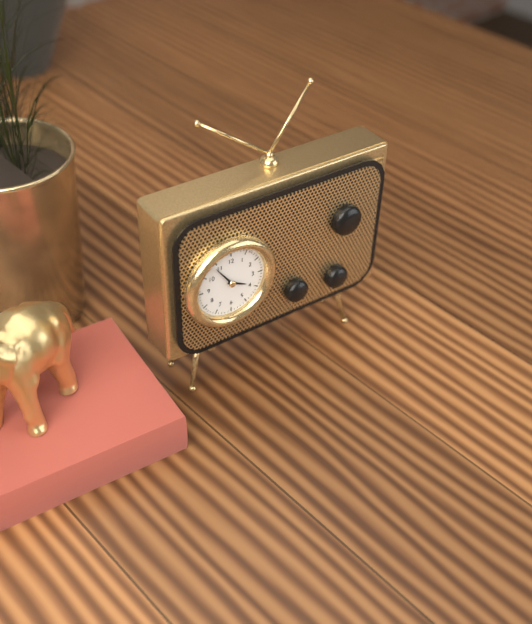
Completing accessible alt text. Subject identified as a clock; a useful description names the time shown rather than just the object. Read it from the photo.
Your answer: 3:54
